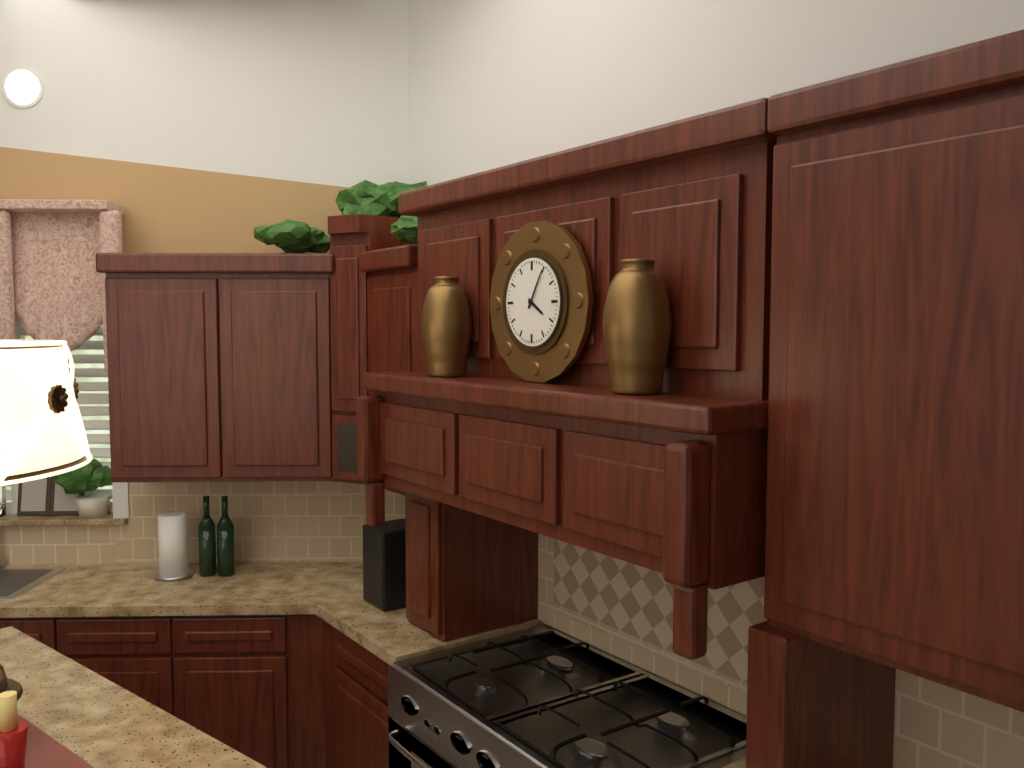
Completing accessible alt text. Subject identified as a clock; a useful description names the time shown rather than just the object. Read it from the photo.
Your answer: 4:05
